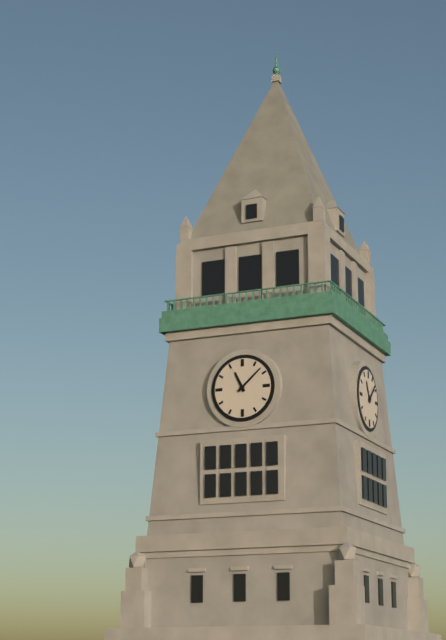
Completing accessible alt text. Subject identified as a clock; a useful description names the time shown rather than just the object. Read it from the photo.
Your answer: 11:08
